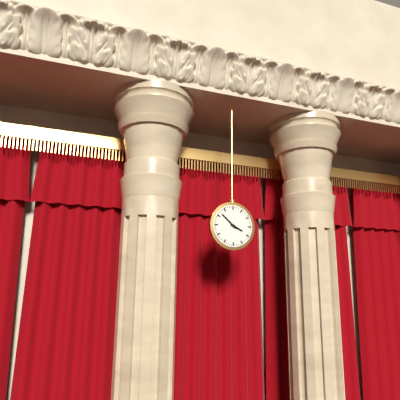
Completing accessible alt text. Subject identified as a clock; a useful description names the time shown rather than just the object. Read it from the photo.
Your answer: 3:52
